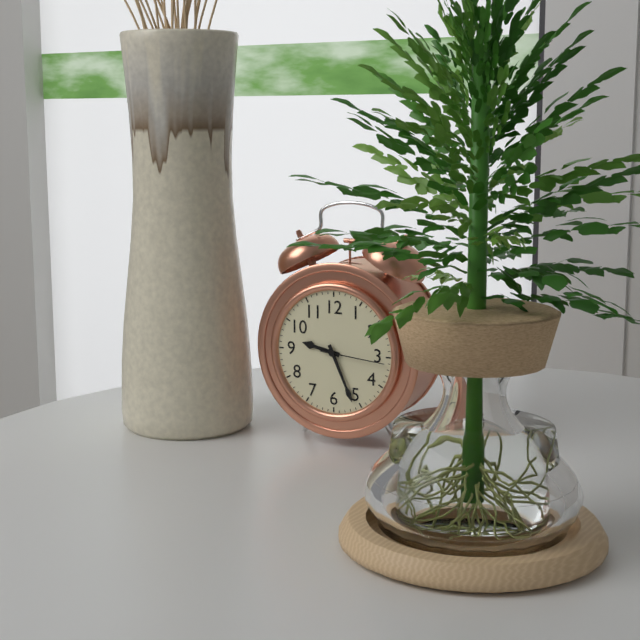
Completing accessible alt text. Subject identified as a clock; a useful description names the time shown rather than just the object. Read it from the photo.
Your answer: 9:26:16
